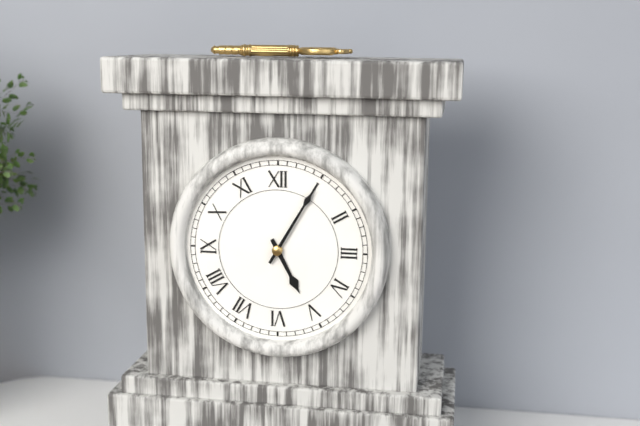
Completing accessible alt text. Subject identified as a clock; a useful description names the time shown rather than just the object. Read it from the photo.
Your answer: 5:05
